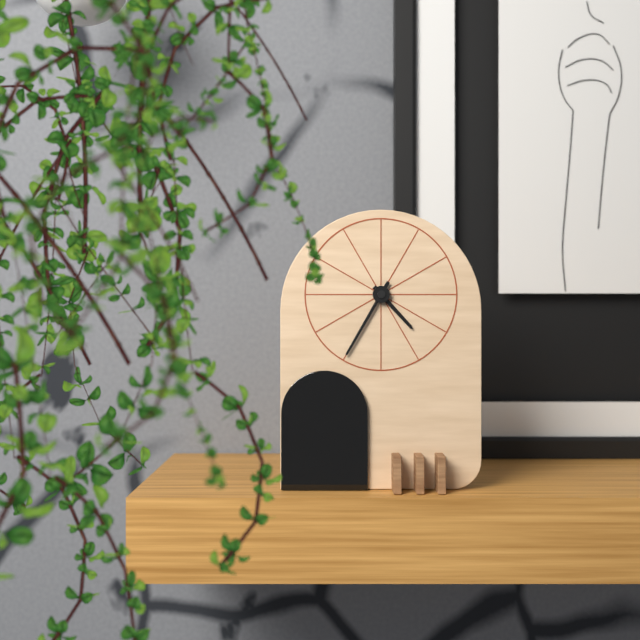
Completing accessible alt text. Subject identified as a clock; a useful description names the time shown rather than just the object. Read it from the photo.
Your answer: 4:35
